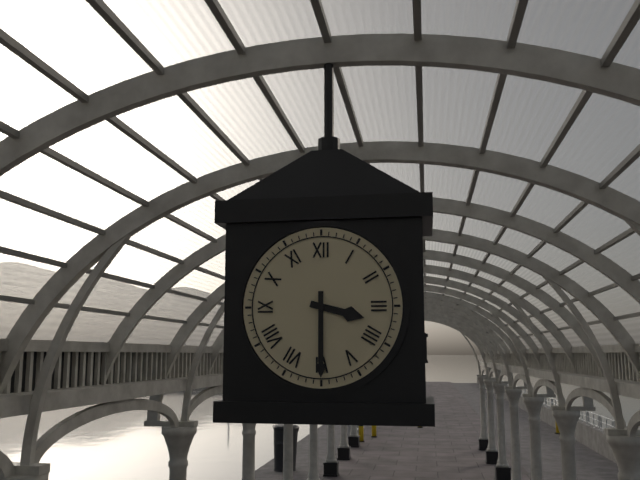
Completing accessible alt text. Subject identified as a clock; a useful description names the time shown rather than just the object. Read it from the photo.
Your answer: 3:30
